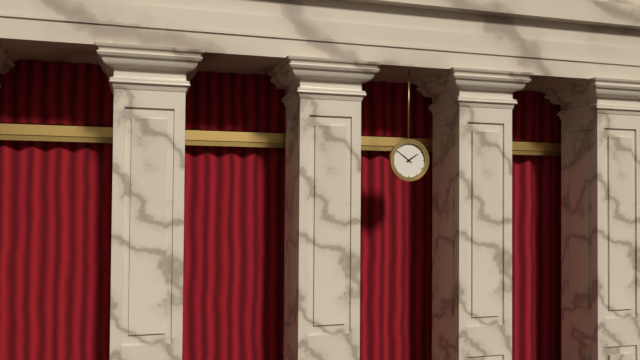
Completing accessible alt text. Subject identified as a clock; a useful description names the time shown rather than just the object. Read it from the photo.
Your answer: 1:51
